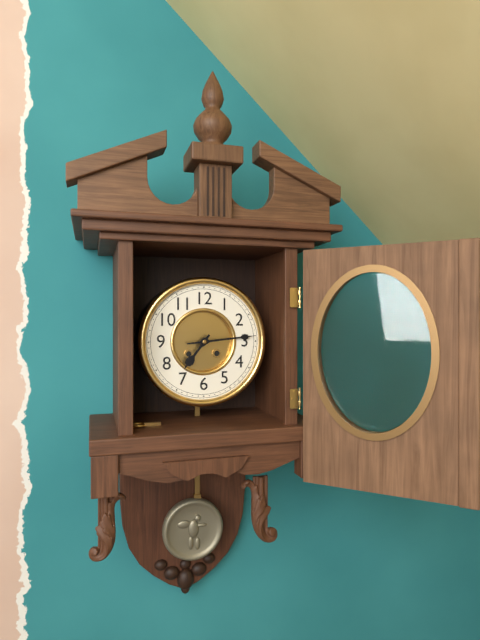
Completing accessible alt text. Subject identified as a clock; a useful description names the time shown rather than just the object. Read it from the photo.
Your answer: 7:14
